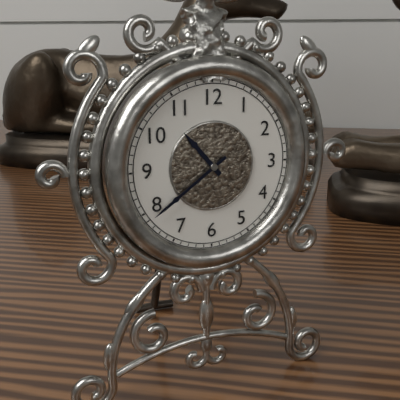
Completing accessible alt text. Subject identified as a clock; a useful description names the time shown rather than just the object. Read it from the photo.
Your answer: 10:39
